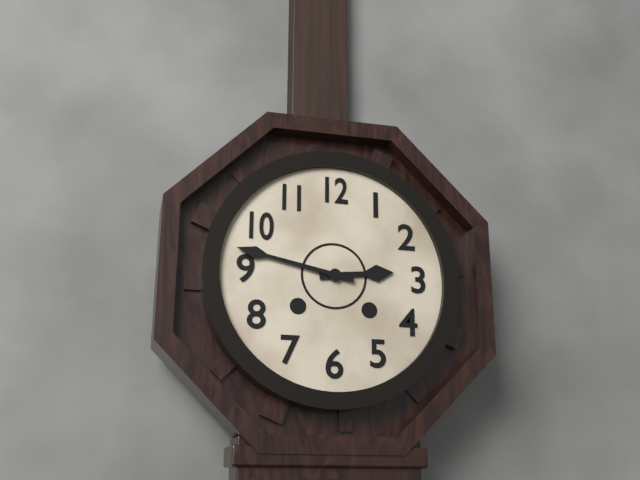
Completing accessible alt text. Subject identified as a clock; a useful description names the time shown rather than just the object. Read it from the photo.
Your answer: 2:47
